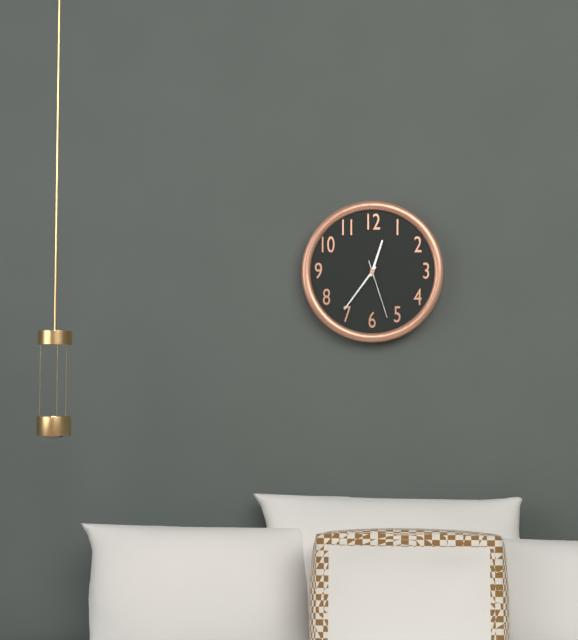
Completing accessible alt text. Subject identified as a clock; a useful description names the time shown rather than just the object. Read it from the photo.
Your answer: 12:36:27
